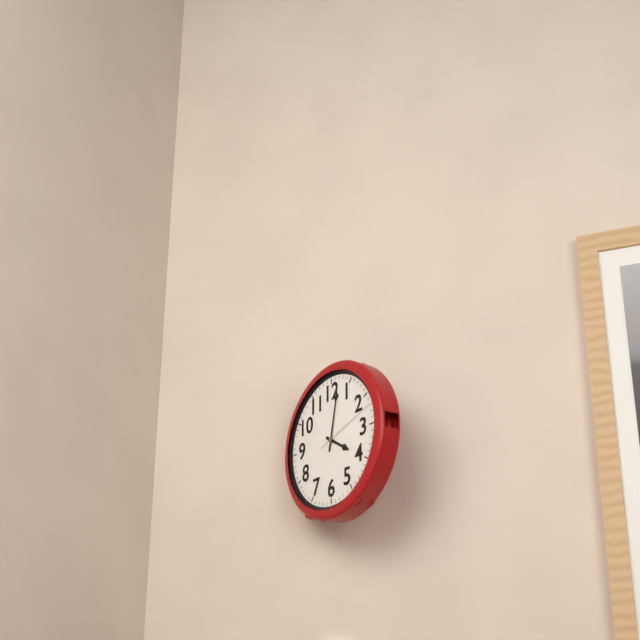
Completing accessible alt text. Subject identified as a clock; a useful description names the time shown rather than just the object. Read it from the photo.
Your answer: 4:02:12
